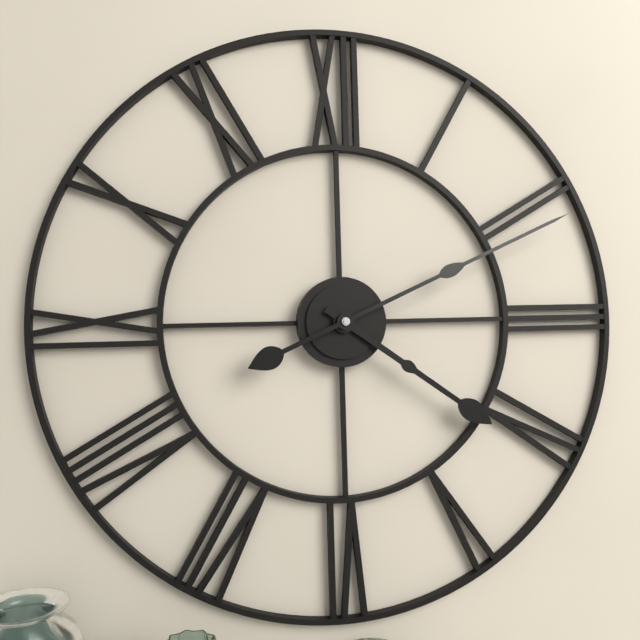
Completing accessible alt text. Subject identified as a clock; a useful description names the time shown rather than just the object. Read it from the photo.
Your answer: 4:11
